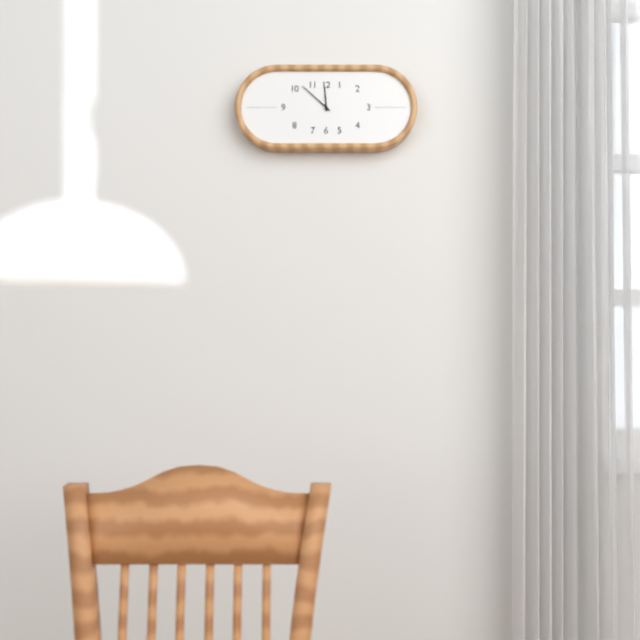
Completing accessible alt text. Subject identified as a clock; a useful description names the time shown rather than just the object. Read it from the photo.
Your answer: 11:52
